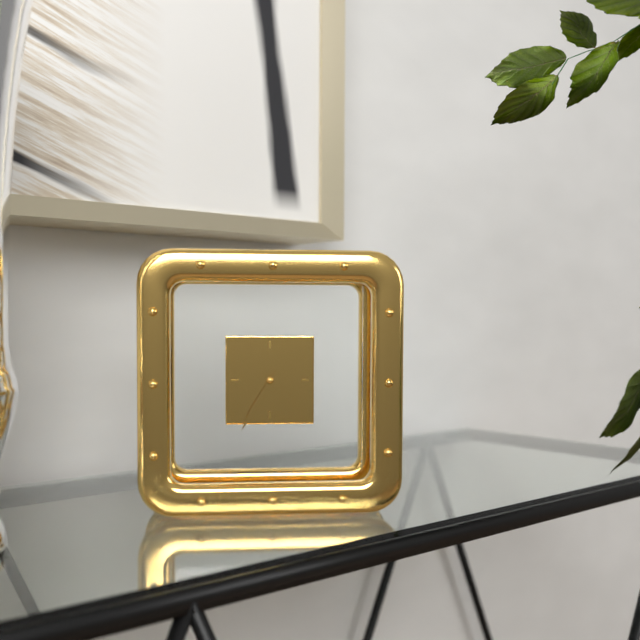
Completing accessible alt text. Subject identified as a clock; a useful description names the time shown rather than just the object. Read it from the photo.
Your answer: 4:35
